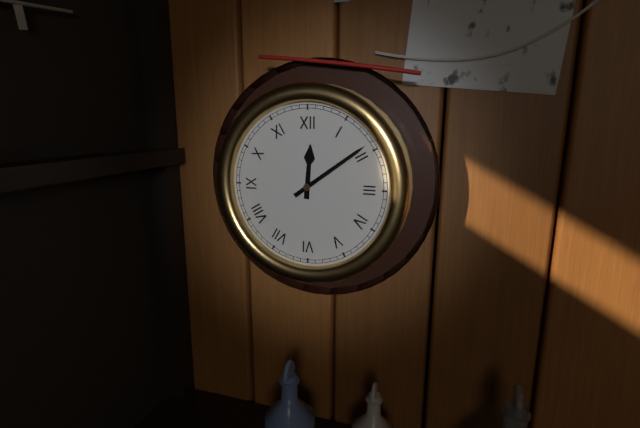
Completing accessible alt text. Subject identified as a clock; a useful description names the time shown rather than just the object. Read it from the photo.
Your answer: 12:09
